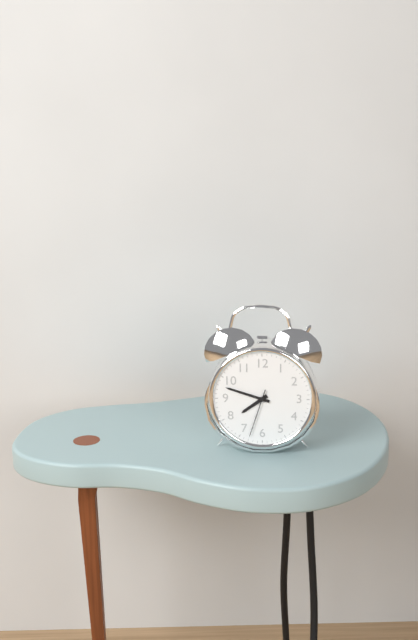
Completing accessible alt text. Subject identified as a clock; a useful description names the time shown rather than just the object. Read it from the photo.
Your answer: 7:48
